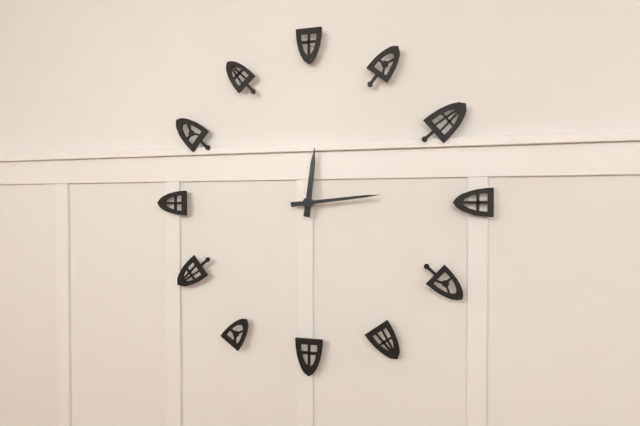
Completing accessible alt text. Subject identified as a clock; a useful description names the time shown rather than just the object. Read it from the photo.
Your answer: 12:14
